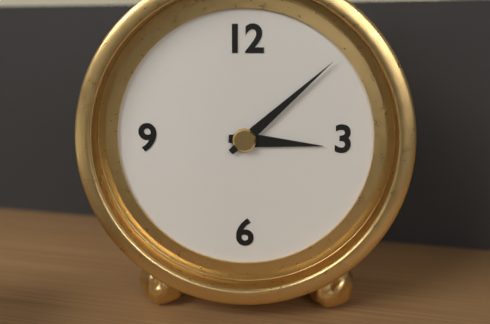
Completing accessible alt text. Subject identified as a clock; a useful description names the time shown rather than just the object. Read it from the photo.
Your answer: 3:08
